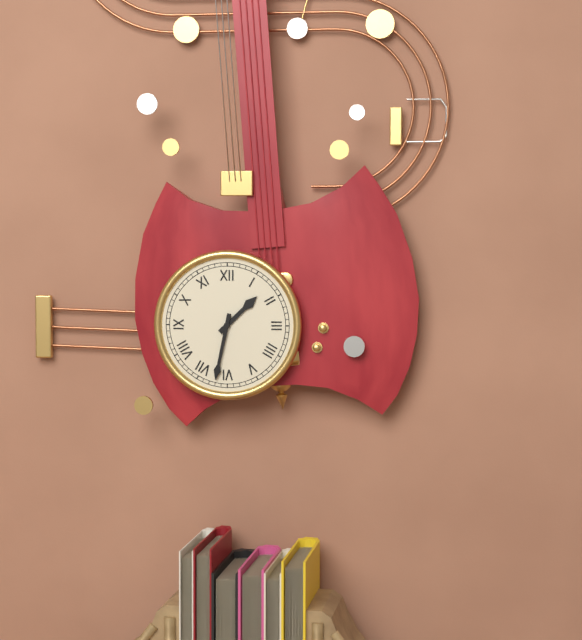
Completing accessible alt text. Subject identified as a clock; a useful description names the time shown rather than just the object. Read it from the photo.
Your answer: 1:32
